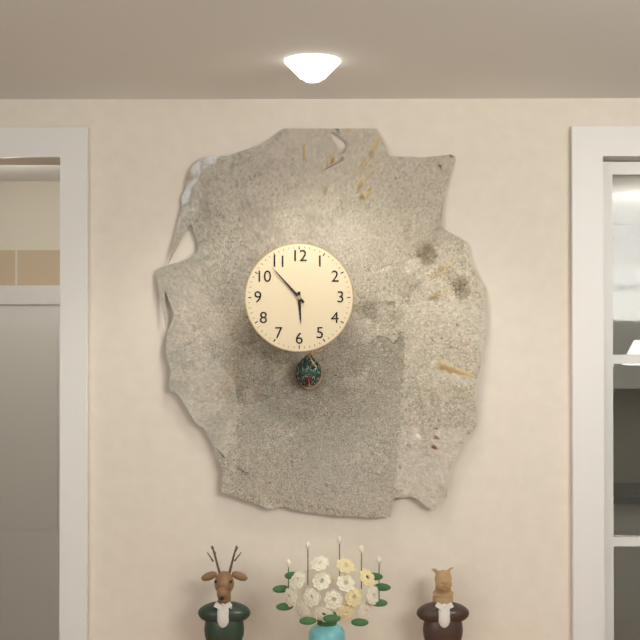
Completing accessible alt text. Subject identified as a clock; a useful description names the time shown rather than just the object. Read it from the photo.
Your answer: 5:53
